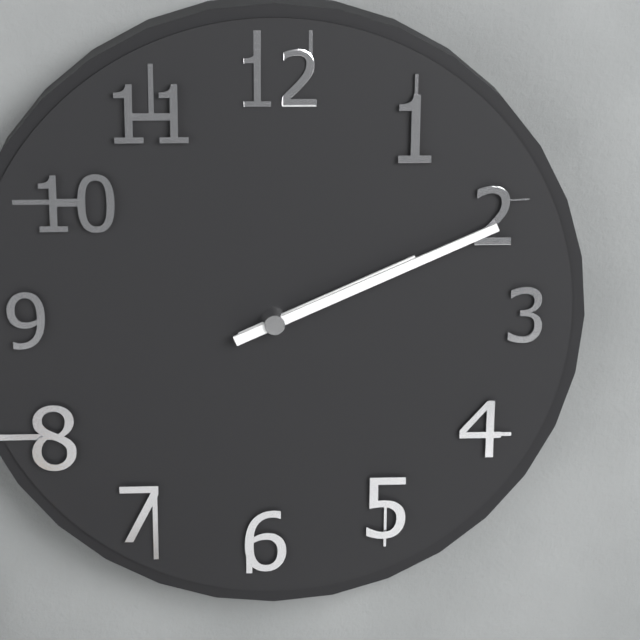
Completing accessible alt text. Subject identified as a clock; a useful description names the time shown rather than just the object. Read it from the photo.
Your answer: 2:11
